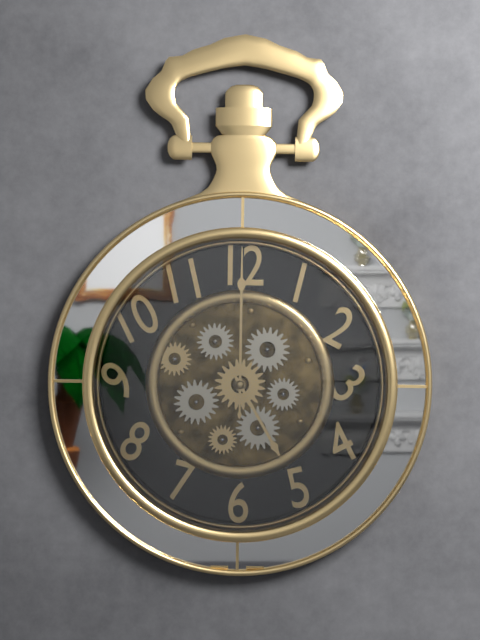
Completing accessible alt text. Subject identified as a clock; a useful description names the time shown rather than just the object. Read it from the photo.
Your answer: 5:00
